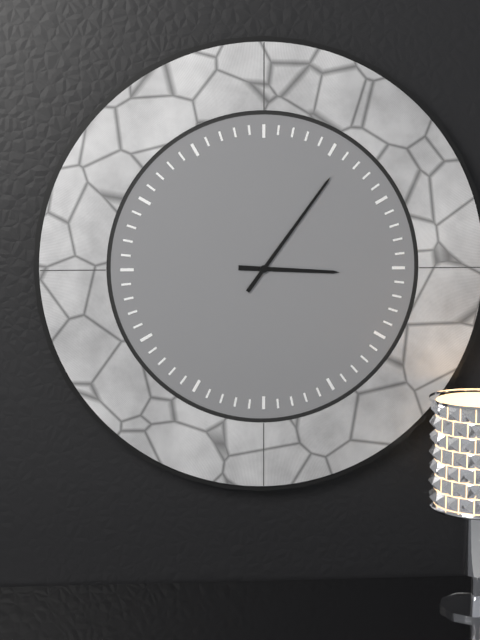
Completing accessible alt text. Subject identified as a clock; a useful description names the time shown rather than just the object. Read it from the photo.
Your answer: 3:06
